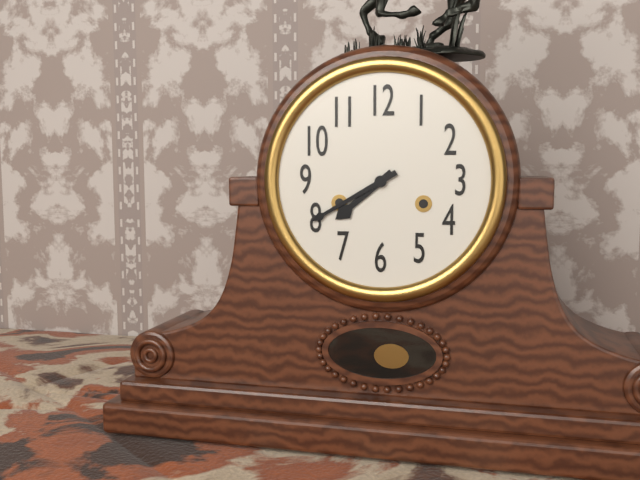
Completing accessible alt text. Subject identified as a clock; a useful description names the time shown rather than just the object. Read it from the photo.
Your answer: 7:40
